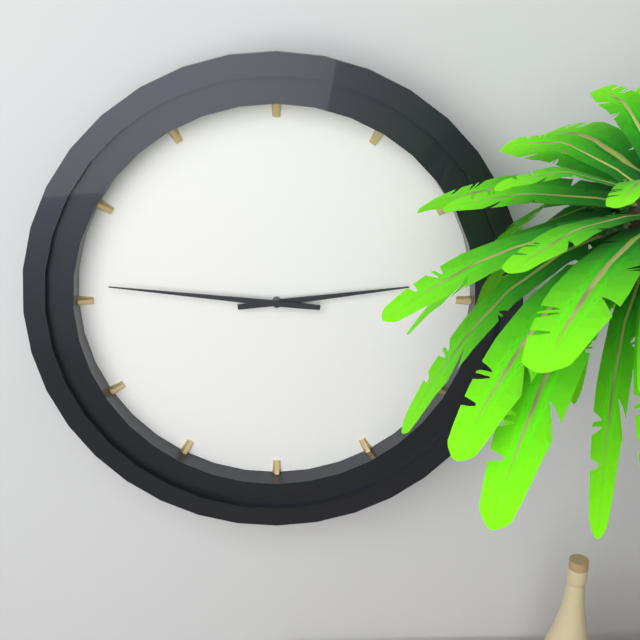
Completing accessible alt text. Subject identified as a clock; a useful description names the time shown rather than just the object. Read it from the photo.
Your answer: 2:46
